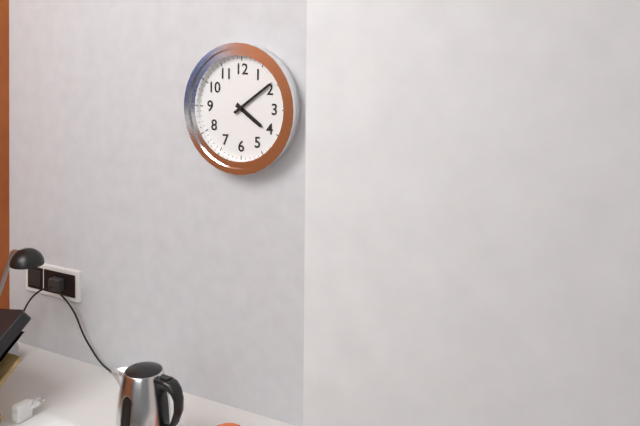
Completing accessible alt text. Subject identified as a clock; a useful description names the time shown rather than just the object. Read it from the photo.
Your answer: 4:09
